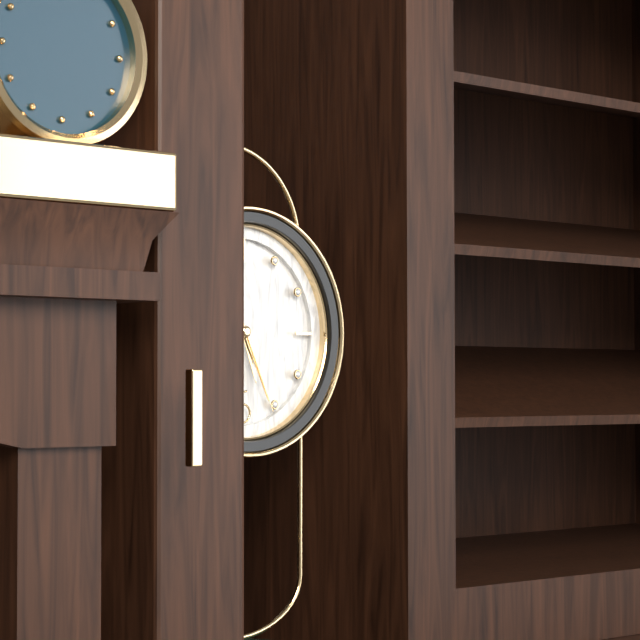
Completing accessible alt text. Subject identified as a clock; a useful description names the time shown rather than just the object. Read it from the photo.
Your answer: 5:26:26
